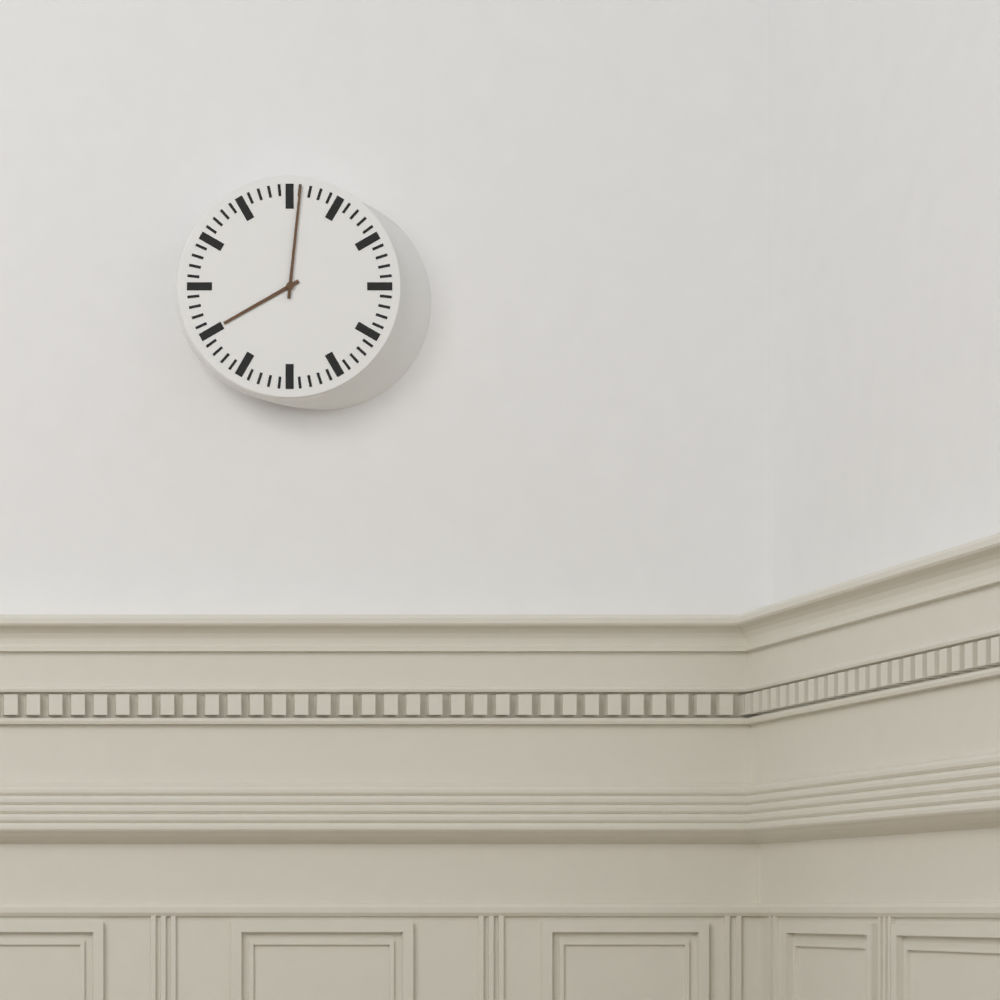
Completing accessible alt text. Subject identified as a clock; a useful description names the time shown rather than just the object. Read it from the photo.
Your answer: 8:01
